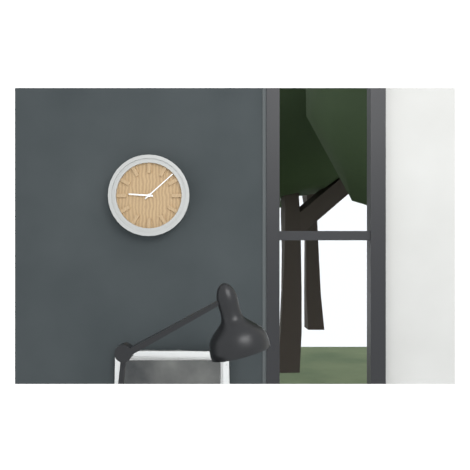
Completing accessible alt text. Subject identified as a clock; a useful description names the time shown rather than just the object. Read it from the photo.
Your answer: 9:08
